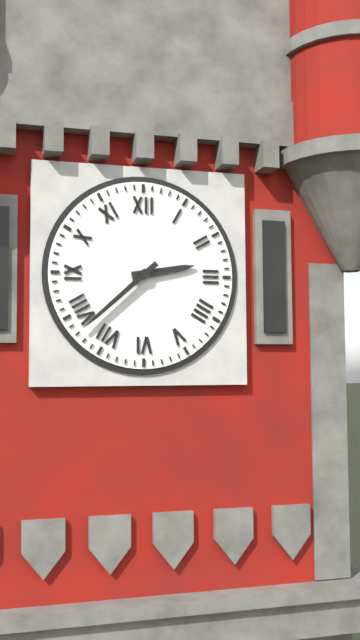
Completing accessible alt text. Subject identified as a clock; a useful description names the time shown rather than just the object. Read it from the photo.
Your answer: 2:38
